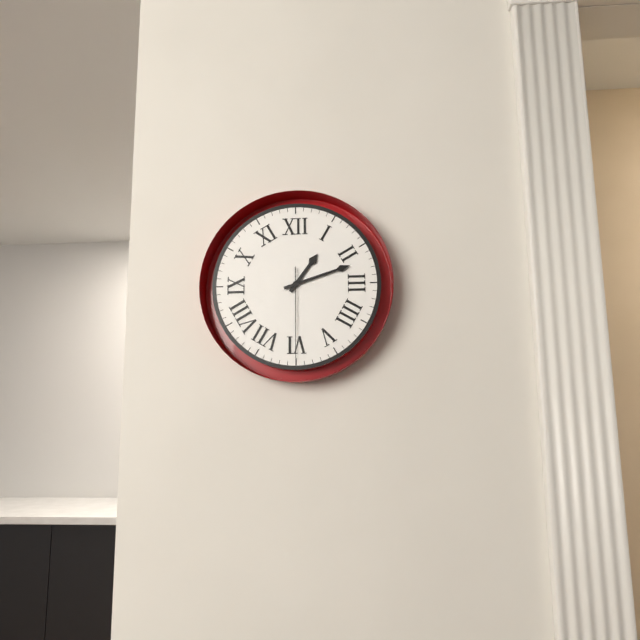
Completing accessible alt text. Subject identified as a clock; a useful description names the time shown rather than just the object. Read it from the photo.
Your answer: 1:12:30
